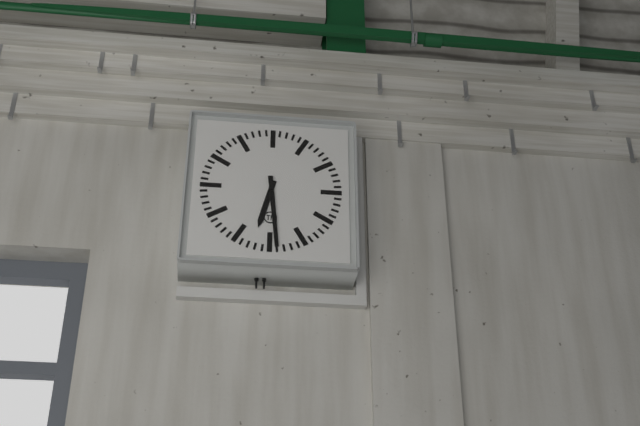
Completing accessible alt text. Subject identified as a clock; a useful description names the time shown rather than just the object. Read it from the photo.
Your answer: 6:29
